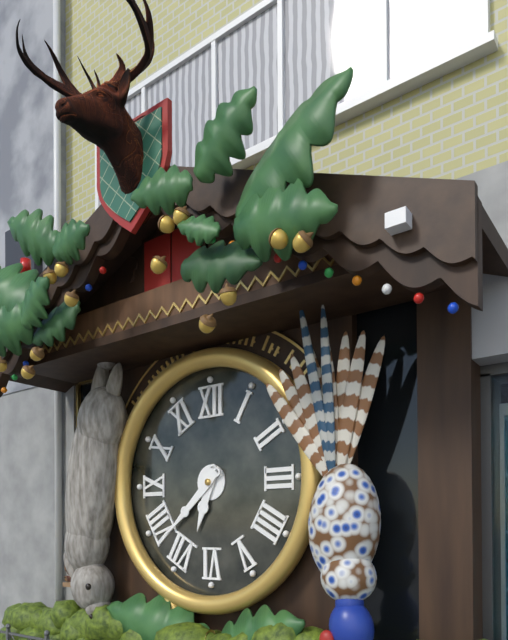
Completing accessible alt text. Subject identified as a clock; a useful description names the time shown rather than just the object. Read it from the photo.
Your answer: 6:38
